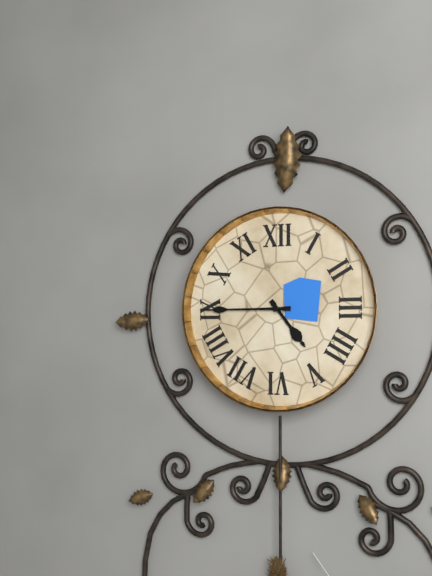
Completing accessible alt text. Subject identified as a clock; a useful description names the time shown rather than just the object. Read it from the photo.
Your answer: 4:45
